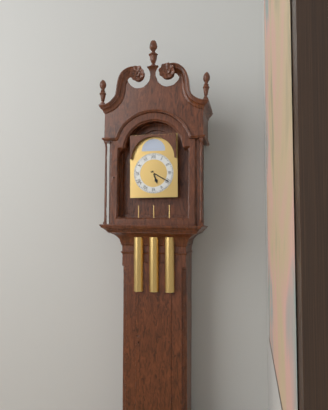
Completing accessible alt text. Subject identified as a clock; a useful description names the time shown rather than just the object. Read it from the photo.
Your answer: 5:20
